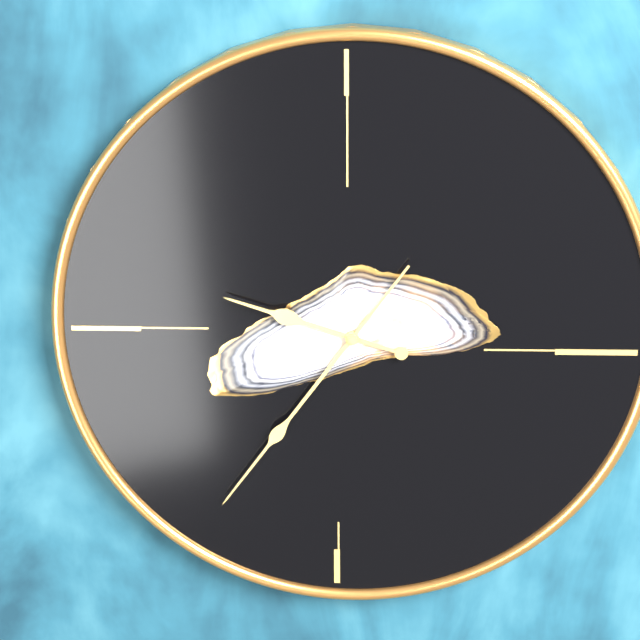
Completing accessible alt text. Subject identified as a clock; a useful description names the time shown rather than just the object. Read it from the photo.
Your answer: 9:36
